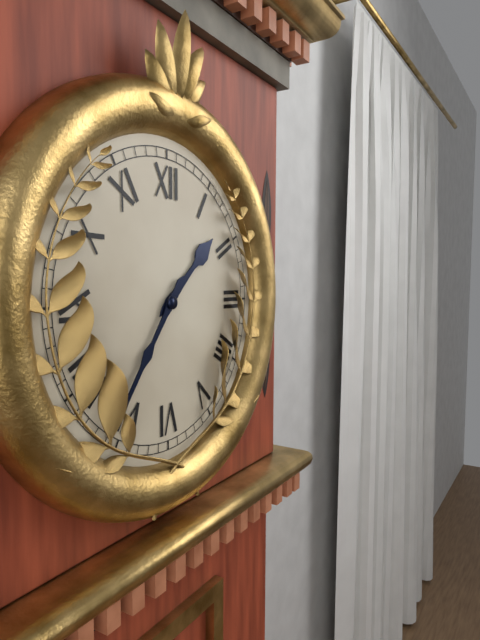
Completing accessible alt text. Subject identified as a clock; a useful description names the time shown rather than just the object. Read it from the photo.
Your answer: 1:36
